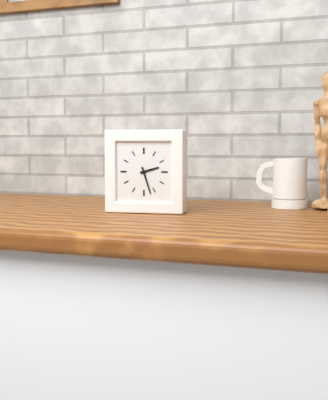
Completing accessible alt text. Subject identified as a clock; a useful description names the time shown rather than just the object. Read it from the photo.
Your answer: 2:27
